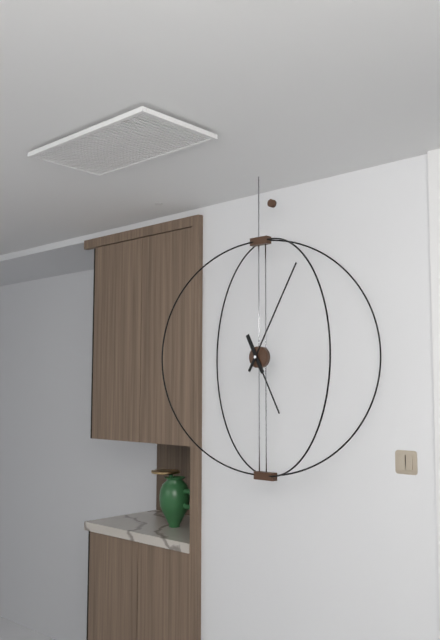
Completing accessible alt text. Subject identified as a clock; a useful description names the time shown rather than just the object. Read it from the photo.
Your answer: 5:05
